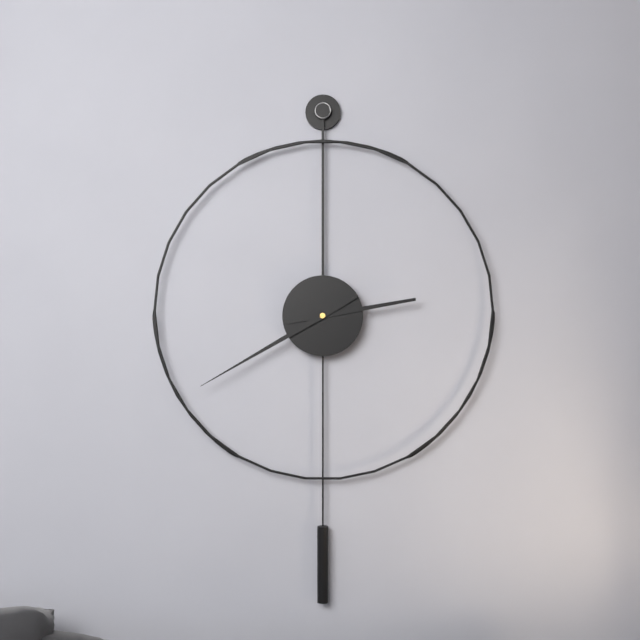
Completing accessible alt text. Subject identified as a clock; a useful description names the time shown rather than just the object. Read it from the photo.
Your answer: 2:40
